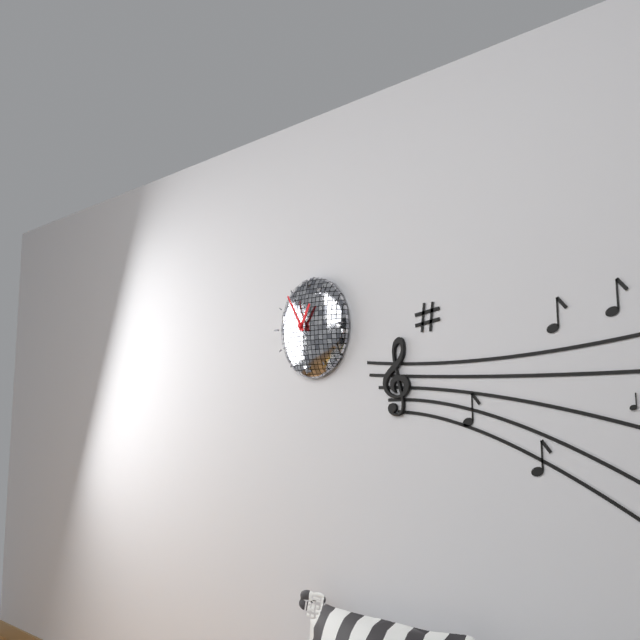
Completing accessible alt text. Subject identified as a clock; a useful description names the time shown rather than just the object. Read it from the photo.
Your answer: 12:55
